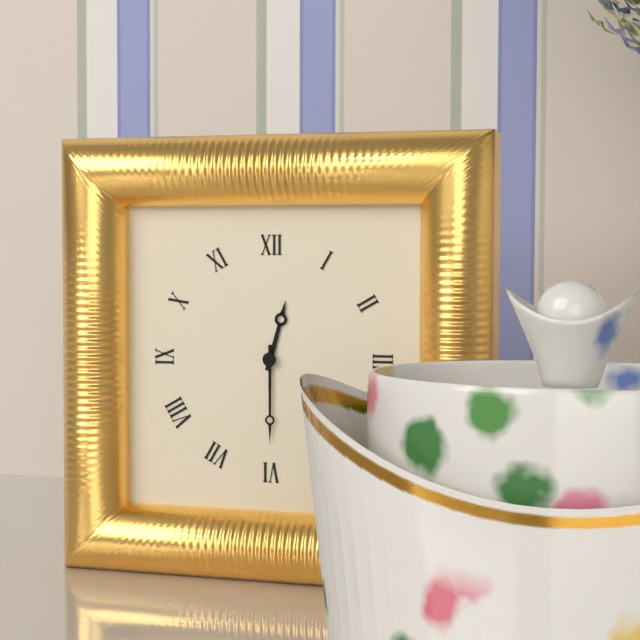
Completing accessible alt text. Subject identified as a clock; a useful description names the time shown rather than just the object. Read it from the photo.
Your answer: 12:30
